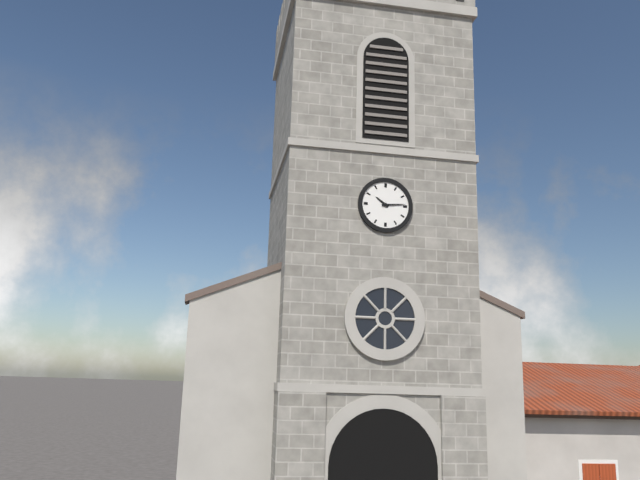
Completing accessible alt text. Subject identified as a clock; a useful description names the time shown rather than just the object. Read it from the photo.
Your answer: 10:14
